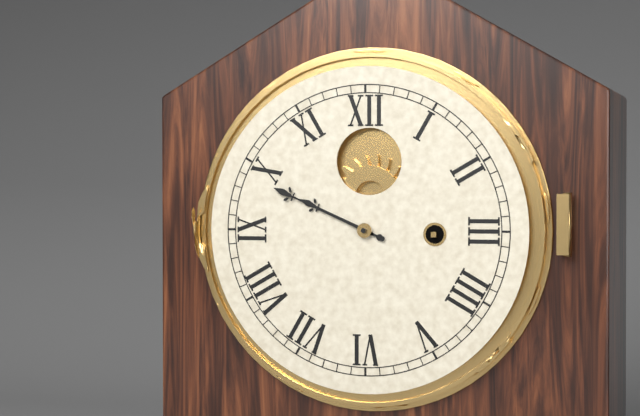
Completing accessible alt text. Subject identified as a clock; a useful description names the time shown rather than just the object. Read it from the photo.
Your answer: 9:49
